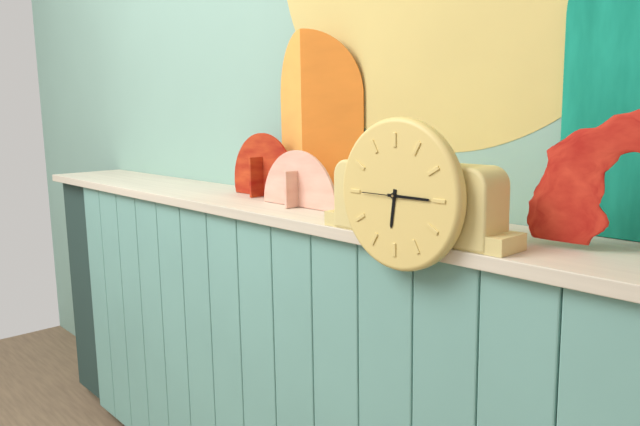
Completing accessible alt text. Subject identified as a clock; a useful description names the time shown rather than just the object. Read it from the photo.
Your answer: 6:15
